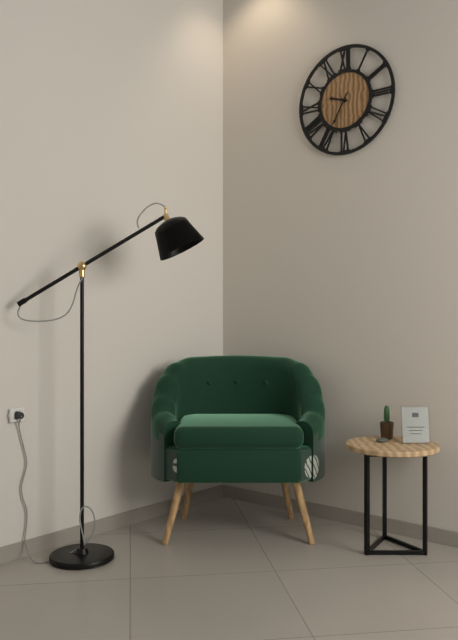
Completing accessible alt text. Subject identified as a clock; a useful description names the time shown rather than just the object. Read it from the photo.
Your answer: 9:35
